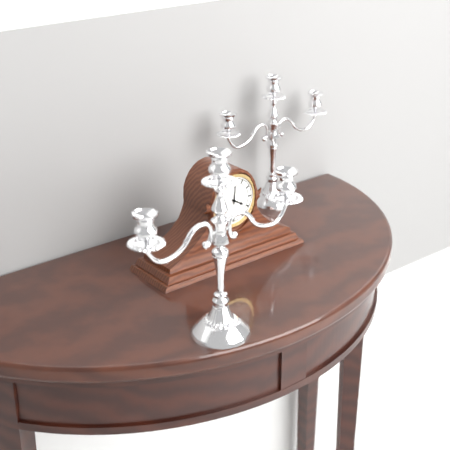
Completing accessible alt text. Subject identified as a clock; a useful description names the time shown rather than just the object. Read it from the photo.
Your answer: 4:01
